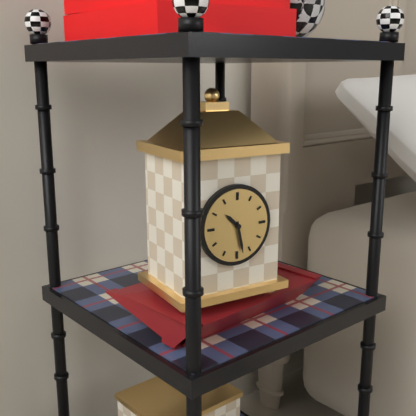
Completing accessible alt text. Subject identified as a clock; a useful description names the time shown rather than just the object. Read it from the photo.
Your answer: 10:28
